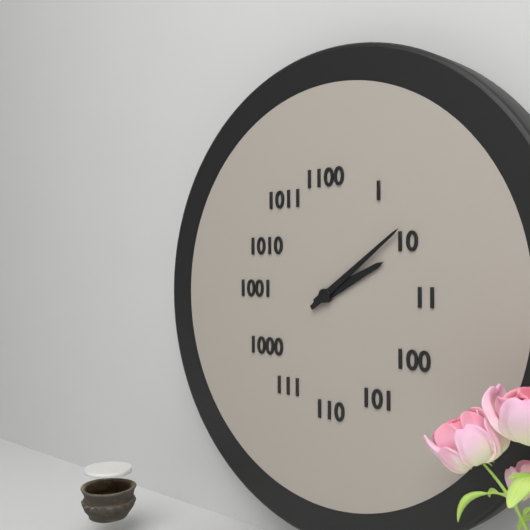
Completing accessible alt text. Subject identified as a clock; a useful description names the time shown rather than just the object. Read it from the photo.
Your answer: 2:09
